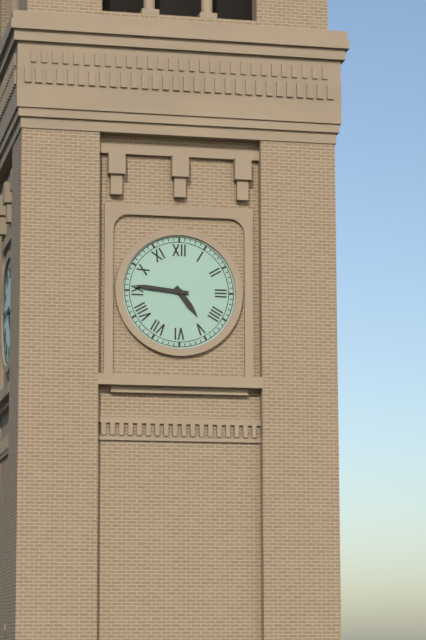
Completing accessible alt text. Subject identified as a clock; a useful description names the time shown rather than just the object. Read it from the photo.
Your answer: 4:46
